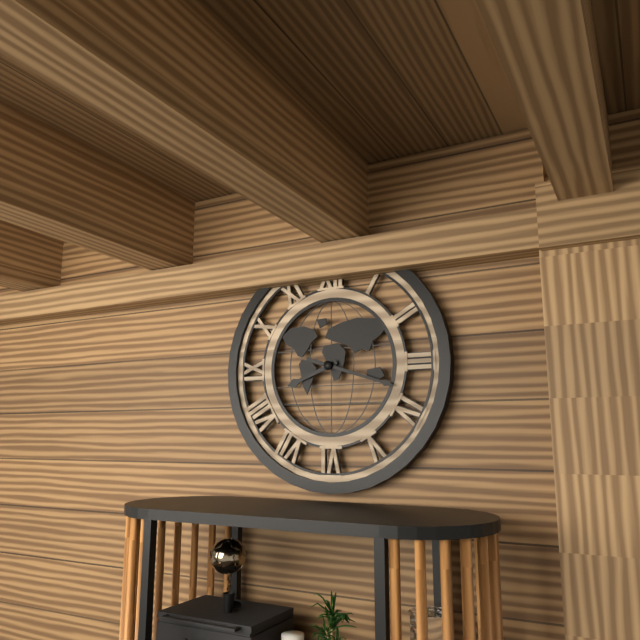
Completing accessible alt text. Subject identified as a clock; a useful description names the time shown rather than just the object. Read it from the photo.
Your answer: 8:18
